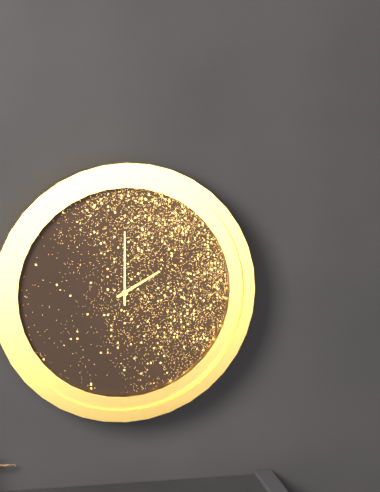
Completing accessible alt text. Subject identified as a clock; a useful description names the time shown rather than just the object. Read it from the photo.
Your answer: 2:00
